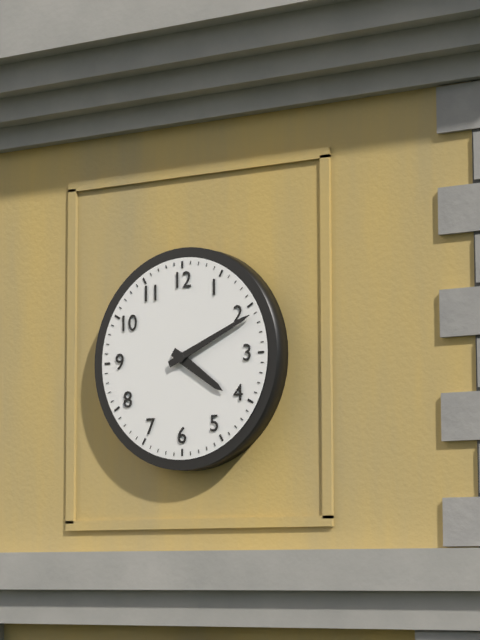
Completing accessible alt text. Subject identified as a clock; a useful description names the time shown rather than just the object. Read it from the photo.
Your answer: 4:11
